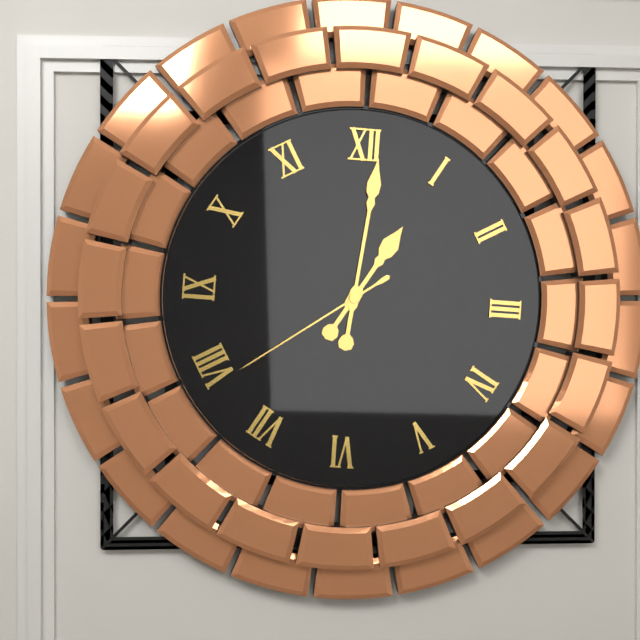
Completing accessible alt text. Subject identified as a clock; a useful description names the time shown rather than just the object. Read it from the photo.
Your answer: 1:01:39
